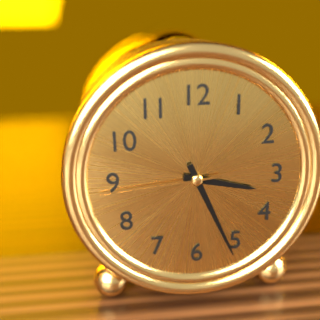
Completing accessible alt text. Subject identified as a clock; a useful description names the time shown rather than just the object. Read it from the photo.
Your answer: 3:26:44
